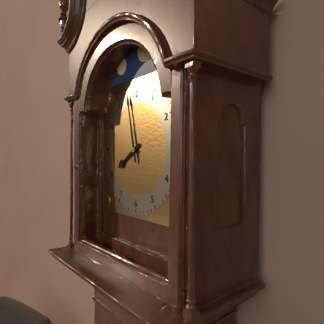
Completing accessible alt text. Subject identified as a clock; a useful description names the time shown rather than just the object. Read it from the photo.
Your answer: 7:58
